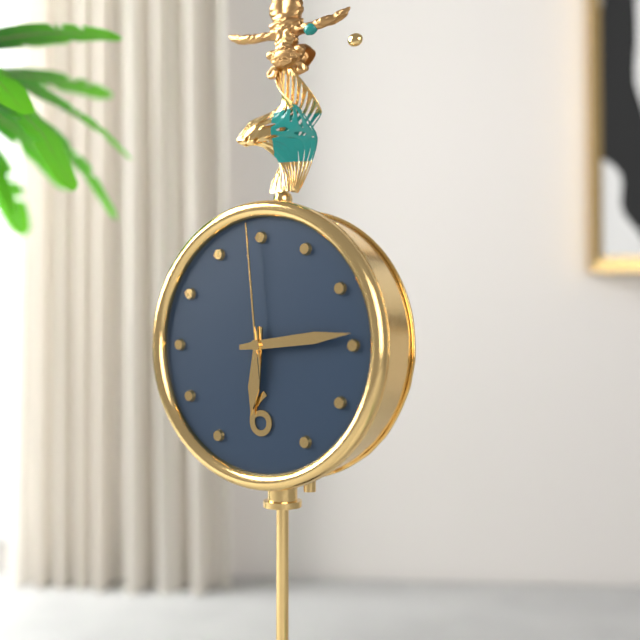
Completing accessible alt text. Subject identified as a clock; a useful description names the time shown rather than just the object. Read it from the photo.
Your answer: 6:14:59
